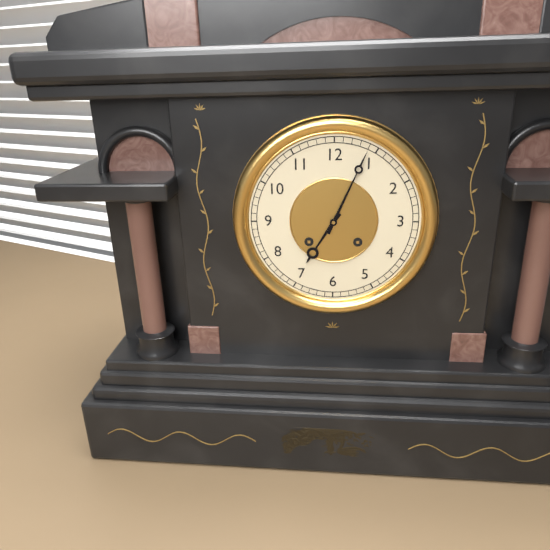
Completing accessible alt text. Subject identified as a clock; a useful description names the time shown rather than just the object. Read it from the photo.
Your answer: 7:04
